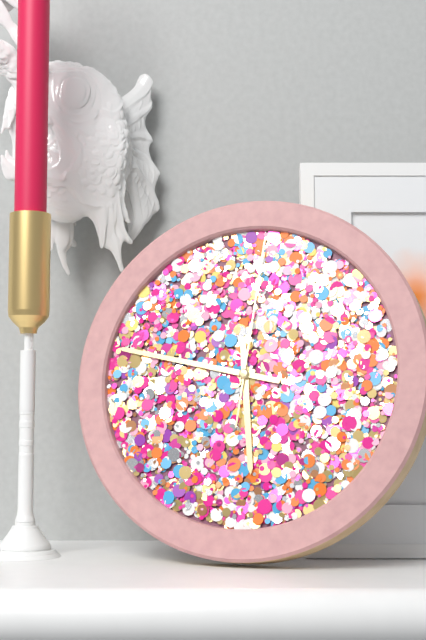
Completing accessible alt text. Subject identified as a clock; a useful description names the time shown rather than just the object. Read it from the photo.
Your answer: 5:47:01
